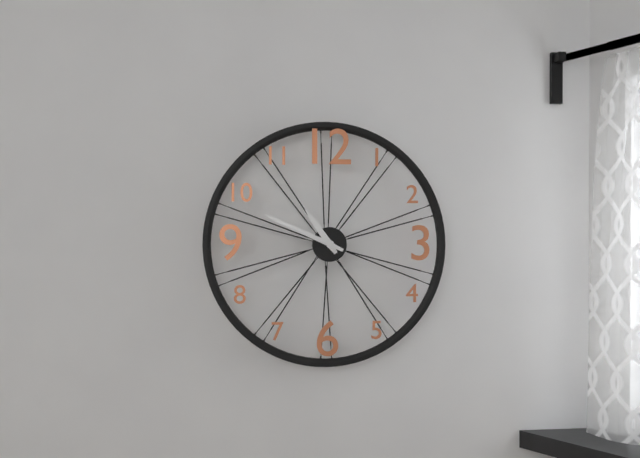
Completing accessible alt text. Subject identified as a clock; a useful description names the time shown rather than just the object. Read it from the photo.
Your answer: 10:49
